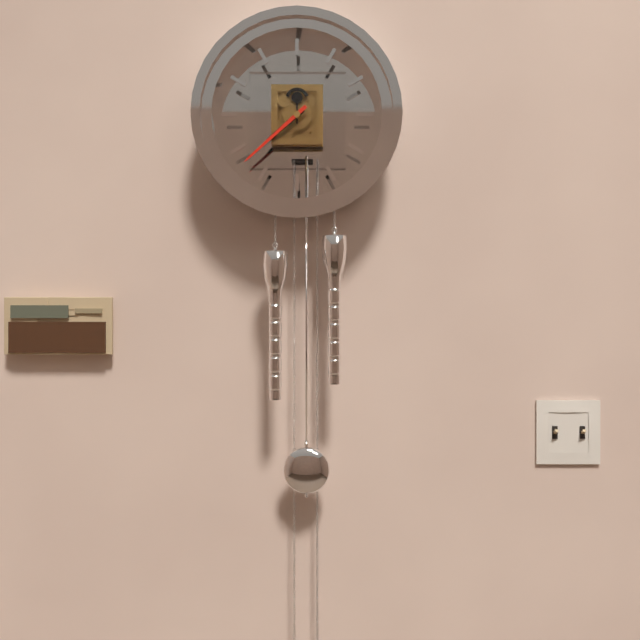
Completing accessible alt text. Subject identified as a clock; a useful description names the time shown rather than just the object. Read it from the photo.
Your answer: 7:38
